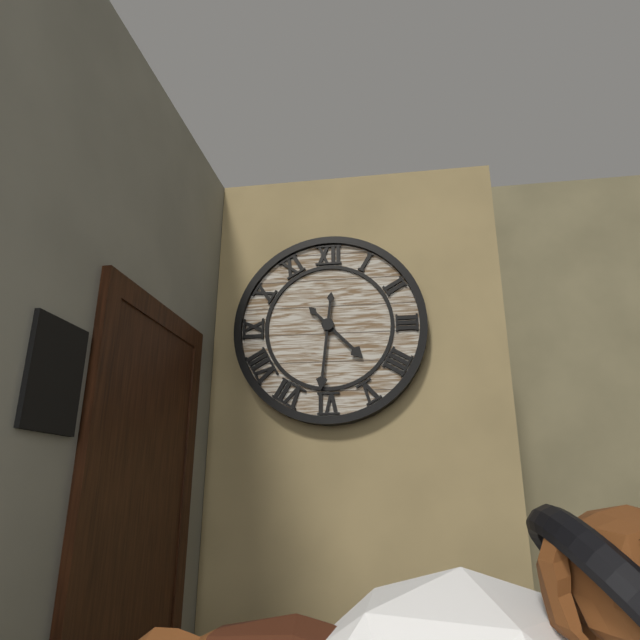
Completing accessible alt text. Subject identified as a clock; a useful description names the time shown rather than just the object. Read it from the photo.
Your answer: 4:31
